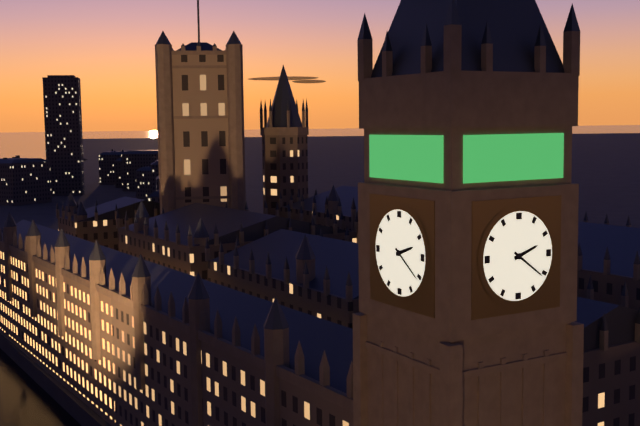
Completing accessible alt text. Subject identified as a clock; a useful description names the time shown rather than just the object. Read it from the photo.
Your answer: 2:21
